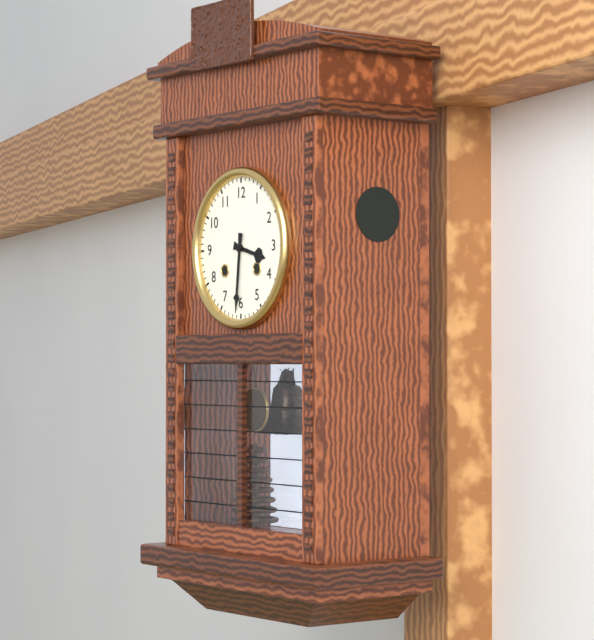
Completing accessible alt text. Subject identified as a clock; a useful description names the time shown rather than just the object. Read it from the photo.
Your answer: 3:31
